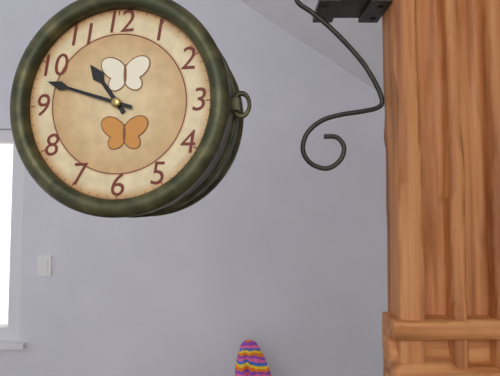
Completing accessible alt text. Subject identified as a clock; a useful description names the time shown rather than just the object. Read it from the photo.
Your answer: 10:48
